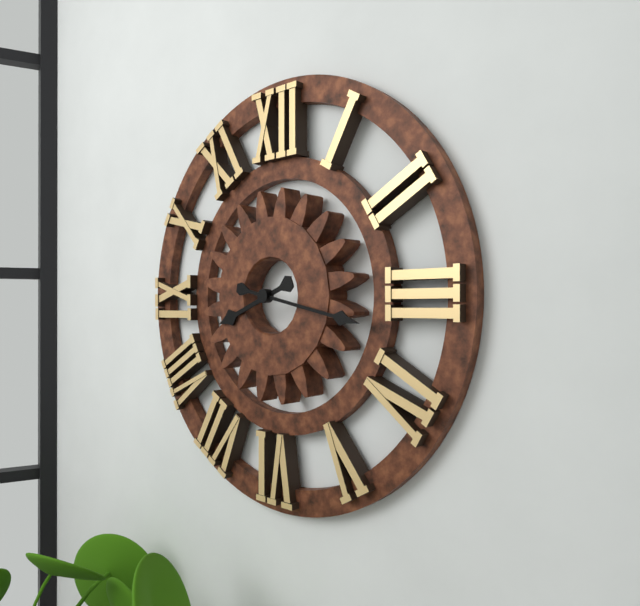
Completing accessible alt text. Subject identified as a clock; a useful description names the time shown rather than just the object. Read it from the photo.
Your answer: 8:17
